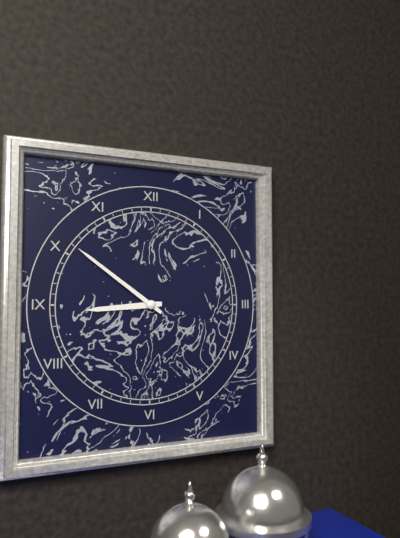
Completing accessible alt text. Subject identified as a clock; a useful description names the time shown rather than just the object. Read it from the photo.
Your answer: 8:51
